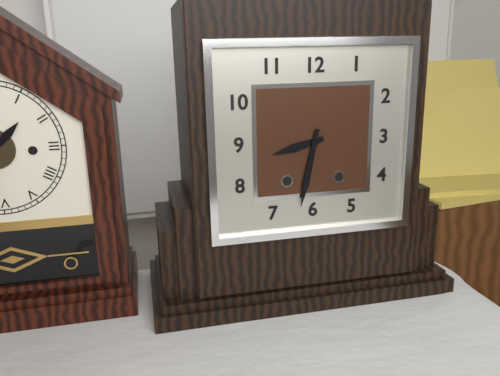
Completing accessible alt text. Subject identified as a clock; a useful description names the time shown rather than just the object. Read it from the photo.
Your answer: 8:32
